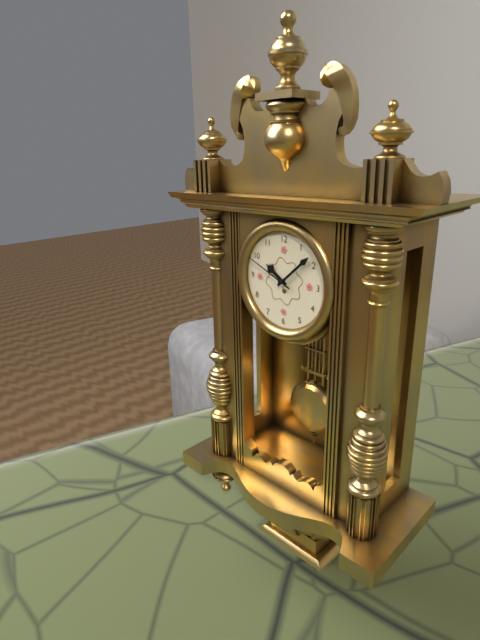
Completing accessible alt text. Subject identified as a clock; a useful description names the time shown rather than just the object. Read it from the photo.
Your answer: 10:08:49
